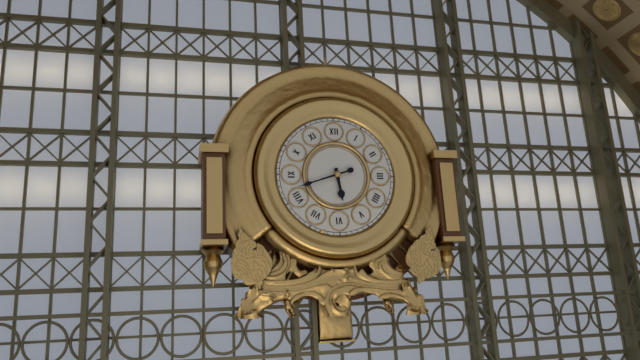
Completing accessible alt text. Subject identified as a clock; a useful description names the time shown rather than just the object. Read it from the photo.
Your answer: 5:42
